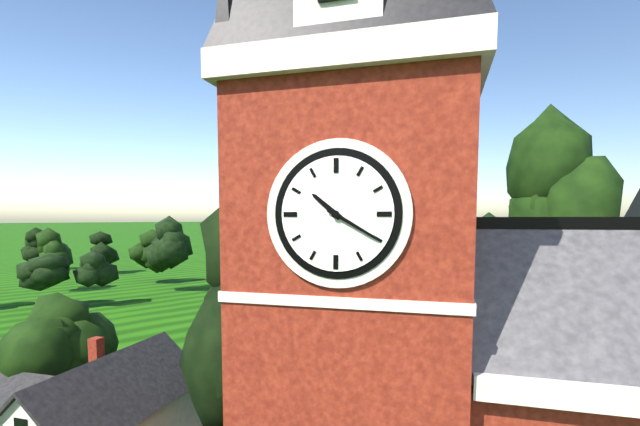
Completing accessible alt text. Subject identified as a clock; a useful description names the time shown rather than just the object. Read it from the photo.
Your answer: 10:20
